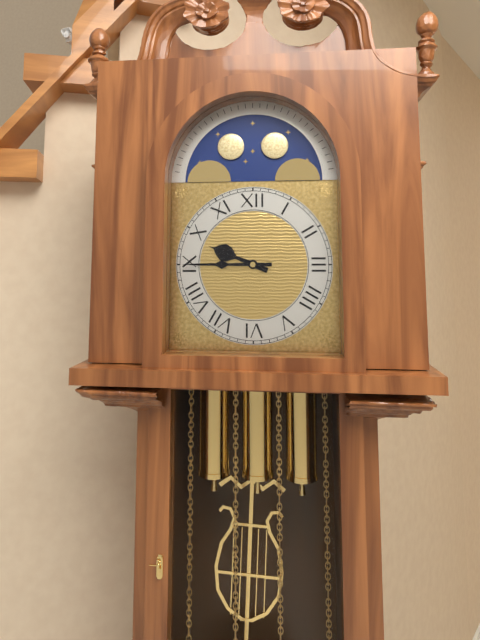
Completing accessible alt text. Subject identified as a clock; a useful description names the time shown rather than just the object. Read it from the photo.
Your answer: 9:45
